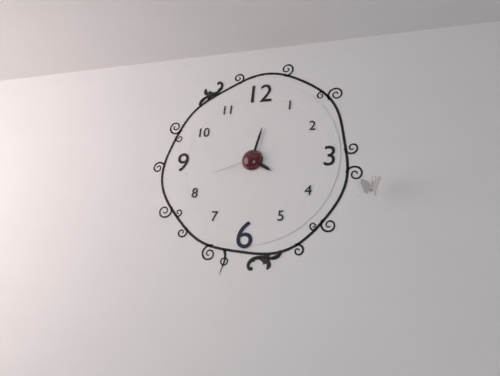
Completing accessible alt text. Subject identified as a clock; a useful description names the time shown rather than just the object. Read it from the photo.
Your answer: 4:02:42
